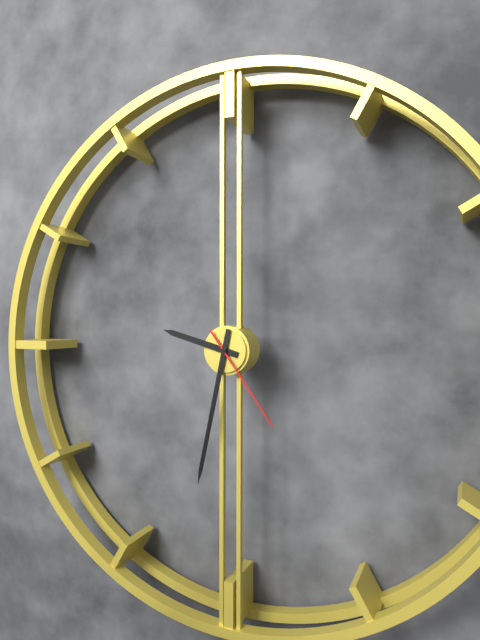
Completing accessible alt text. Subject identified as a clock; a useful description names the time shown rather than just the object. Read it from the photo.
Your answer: 9:32:24
